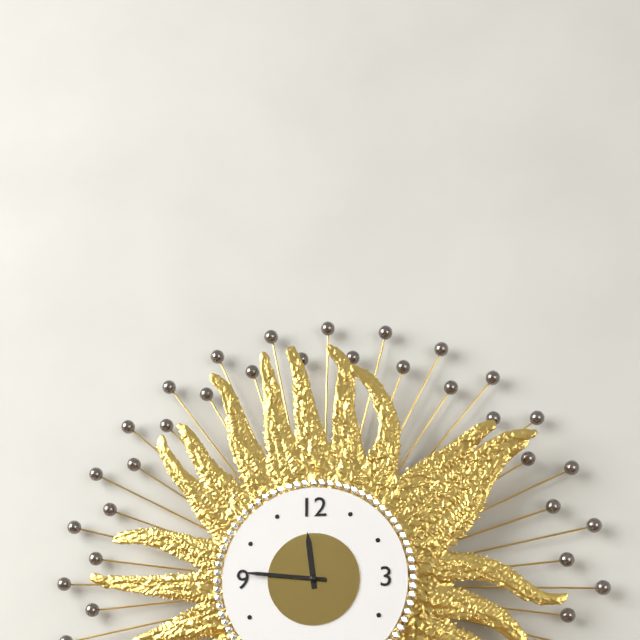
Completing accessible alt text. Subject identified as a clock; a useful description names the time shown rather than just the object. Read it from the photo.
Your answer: 11:46
